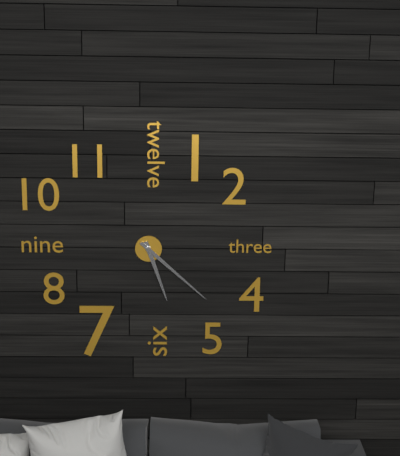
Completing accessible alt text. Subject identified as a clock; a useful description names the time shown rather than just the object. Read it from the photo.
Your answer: 5:22
